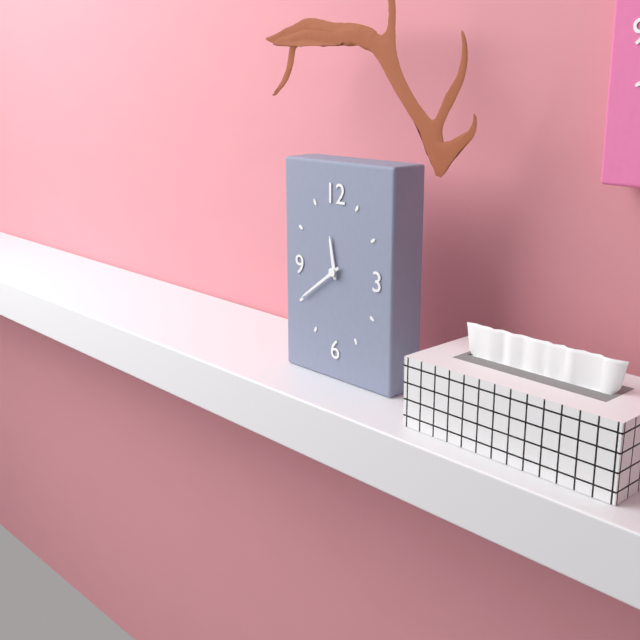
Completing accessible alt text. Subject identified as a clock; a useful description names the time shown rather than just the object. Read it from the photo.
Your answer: 11:39
